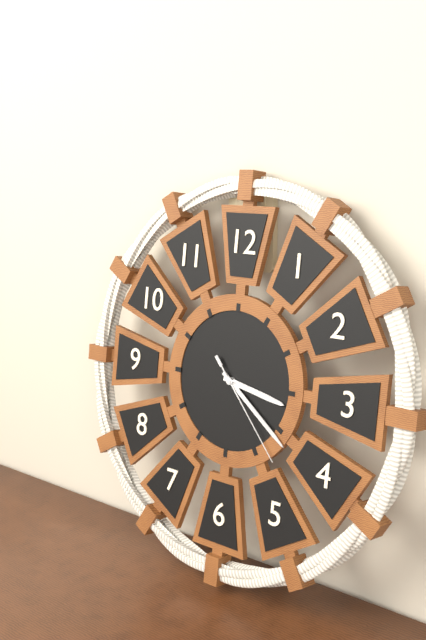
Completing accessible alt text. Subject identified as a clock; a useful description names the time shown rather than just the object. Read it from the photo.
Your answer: 3:21:23
